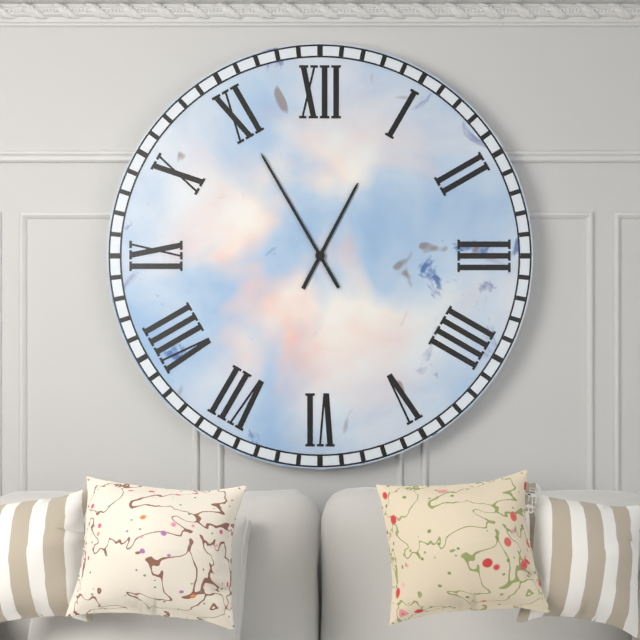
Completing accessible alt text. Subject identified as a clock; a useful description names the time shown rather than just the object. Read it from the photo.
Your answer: 12:55
